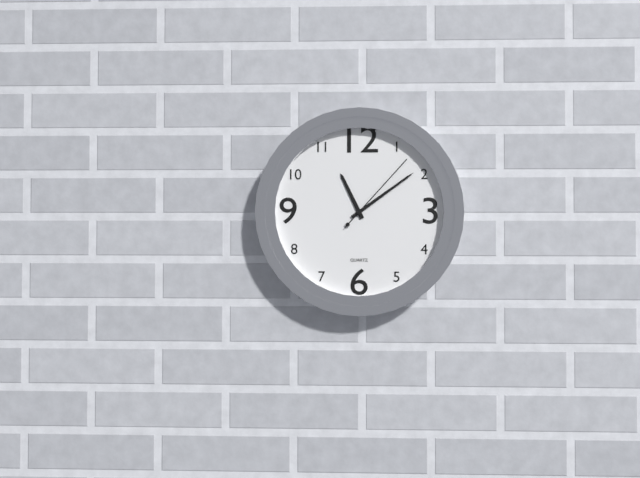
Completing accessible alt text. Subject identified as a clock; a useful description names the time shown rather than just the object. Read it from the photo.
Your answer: 11:09:07
